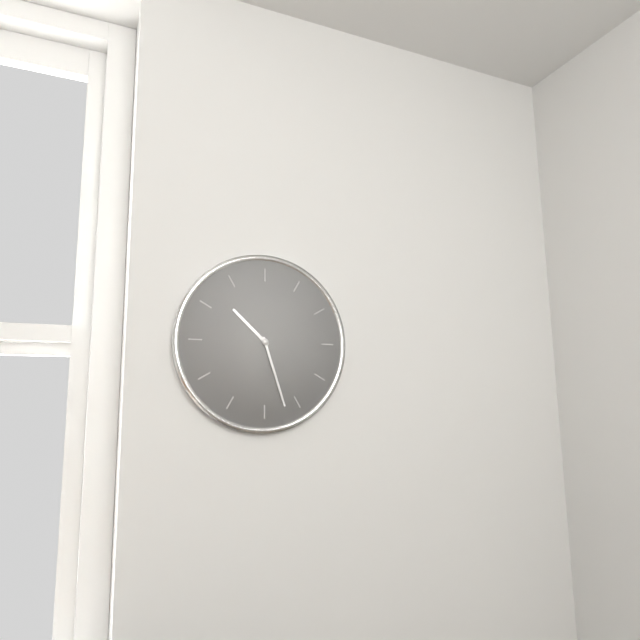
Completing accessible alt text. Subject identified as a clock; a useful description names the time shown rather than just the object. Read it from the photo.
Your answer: 10:27
